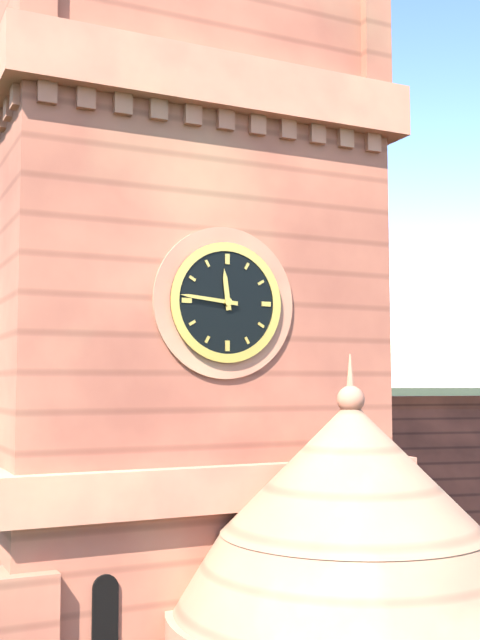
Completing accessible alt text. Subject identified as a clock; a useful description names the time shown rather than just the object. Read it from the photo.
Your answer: 11:46
